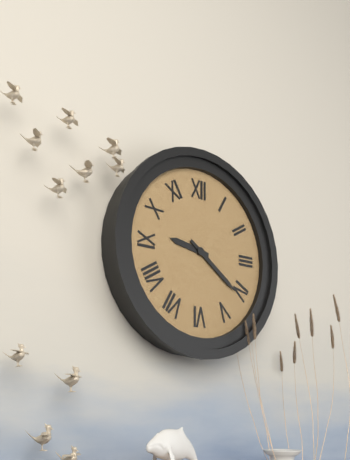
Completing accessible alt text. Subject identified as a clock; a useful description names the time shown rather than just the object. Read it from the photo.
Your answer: 9:21
